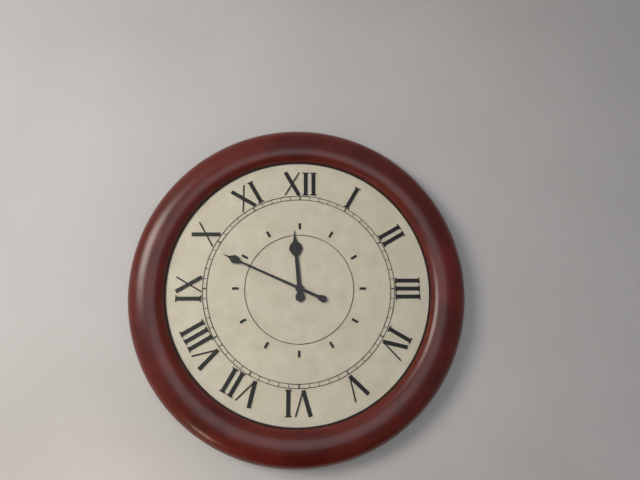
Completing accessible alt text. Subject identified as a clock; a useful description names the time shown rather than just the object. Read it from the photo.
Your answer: 11:49
